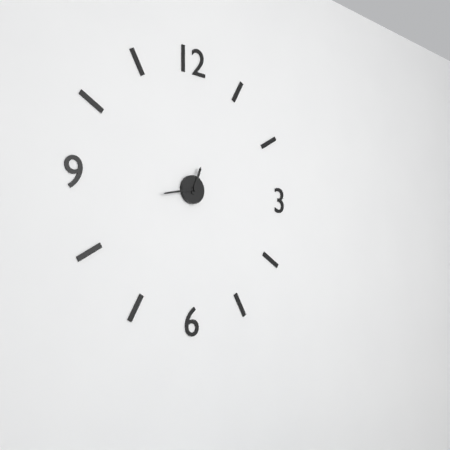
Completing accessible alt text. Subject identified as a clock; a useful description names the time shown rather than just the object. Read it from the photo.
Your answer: 12:43
